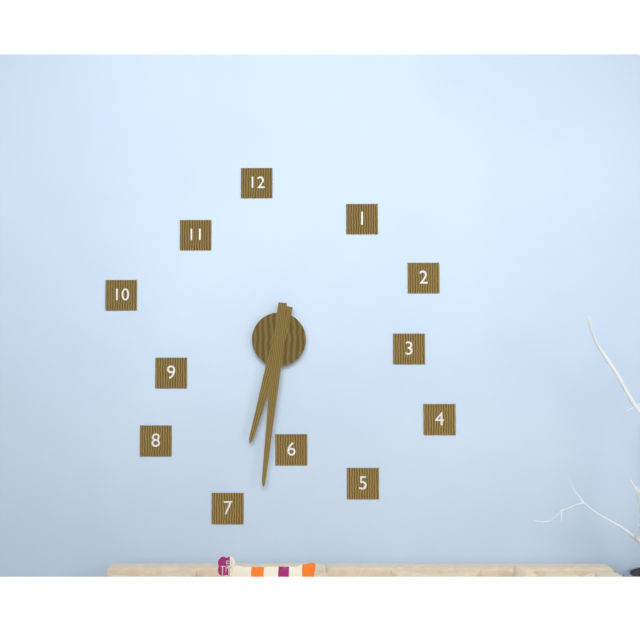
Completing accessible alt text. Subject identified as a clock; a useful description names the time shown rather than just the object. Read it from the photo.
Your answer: 6:31
